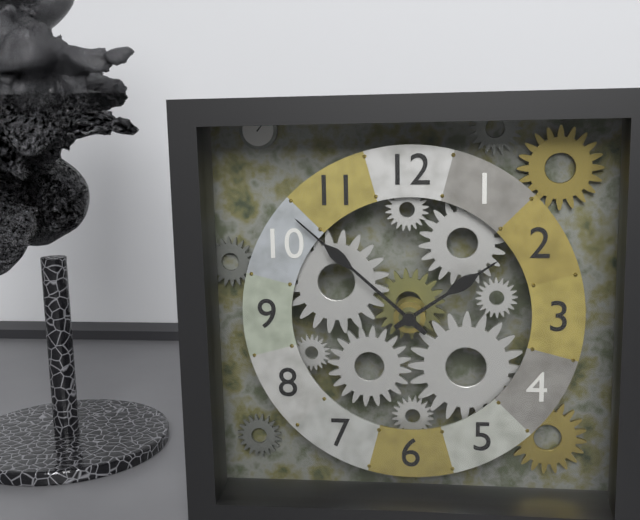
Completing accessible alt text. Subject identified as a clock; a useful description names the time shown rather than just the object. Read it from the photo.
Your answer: 1:52
